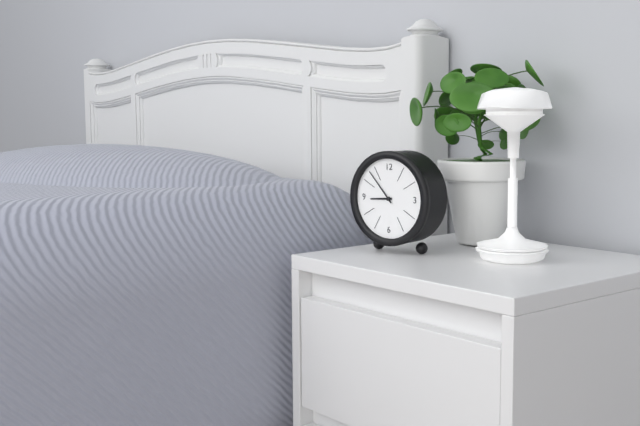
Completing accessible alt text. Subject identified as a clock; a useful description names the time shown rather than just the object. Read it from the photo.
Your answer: 8:53
